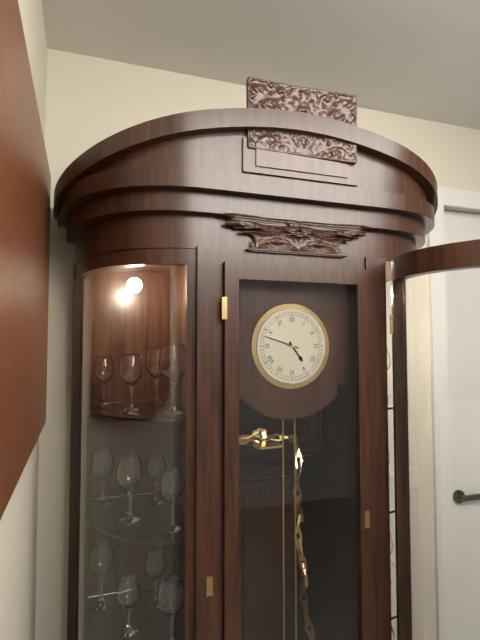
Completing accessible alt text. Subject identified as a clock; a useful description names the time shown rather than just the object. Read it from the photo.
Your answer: 4:48
